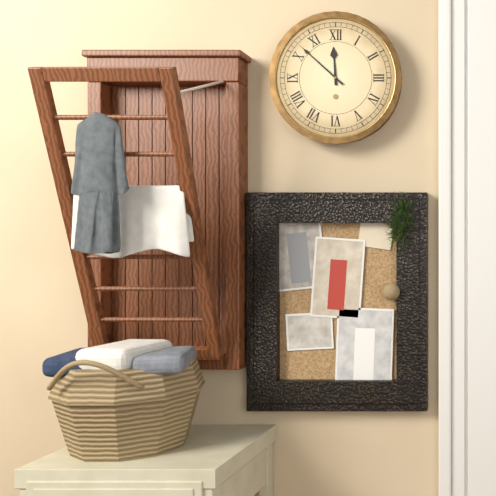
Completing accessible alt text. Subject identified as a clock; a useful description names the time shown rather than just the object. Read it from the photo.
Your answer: 11:52
